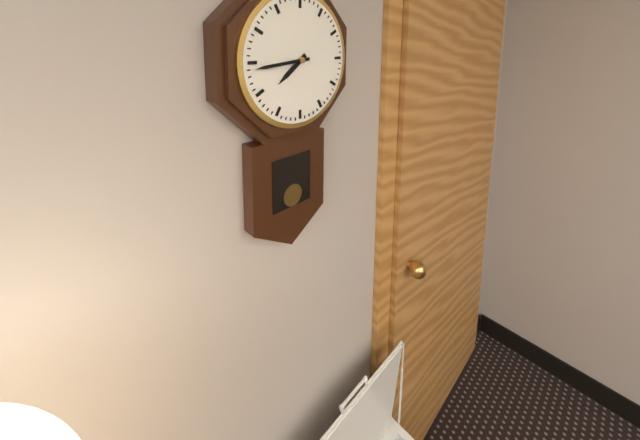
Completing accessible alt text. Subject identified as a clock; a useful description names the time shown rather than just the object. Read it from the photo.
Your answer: 7:44
